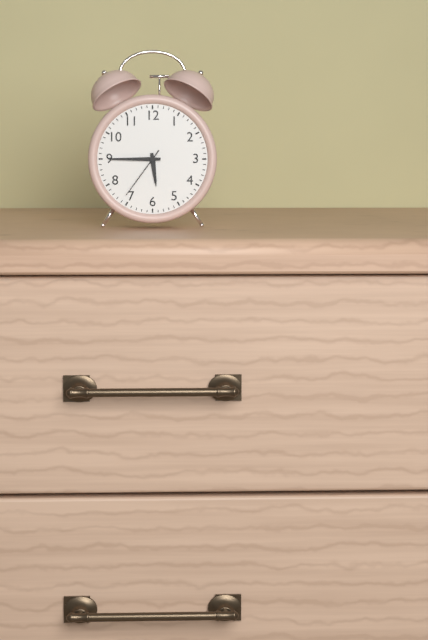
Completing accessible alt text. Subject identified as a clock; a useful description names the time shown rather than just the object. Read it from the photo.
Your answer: 5:45:36
